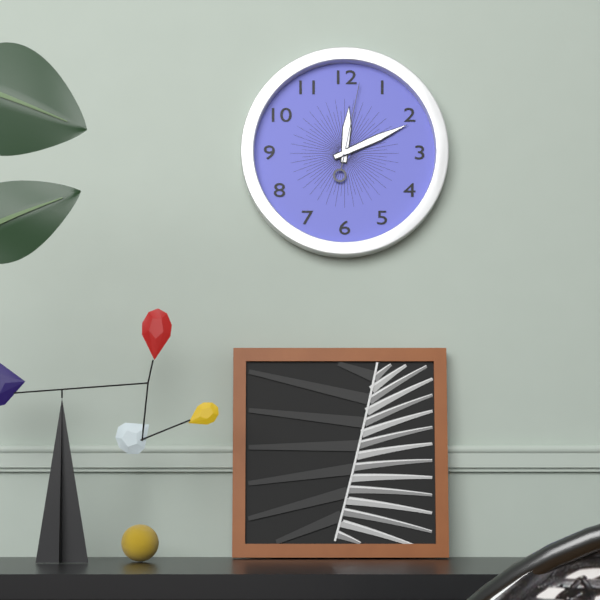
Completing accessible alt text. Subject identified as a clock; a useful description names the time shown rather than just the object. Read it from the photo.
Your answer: 12:11:02
